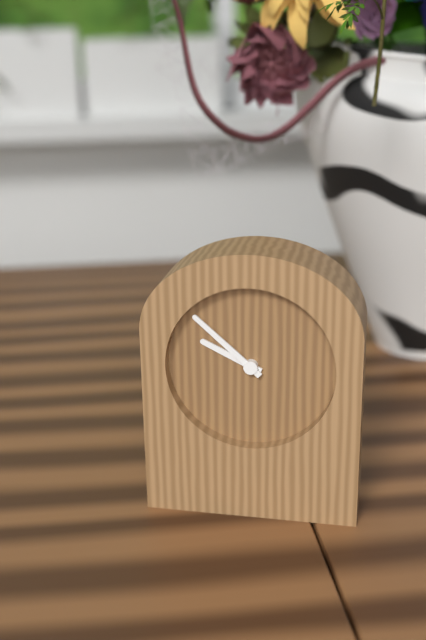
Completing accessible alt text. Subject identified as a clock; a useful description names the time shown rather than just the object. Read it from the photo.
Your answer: 9:52
